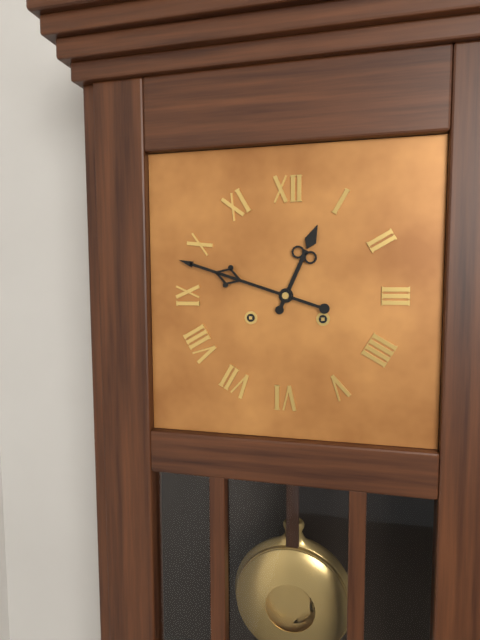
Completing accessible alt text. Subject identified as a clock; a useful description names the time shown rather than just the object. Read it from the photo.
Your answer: 12:48
